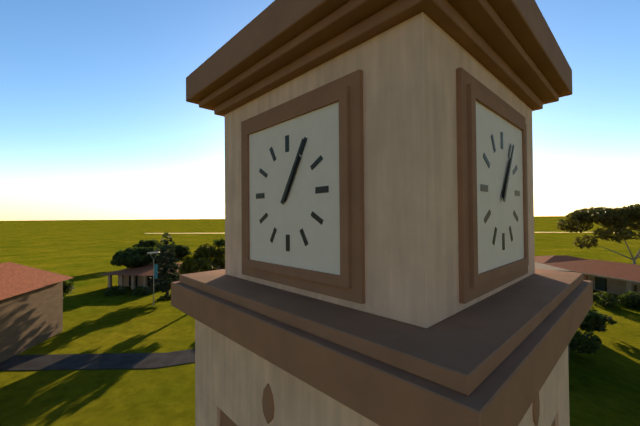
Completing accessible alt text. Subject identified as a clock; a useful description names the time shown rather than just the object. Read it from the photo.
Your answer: 1:05
